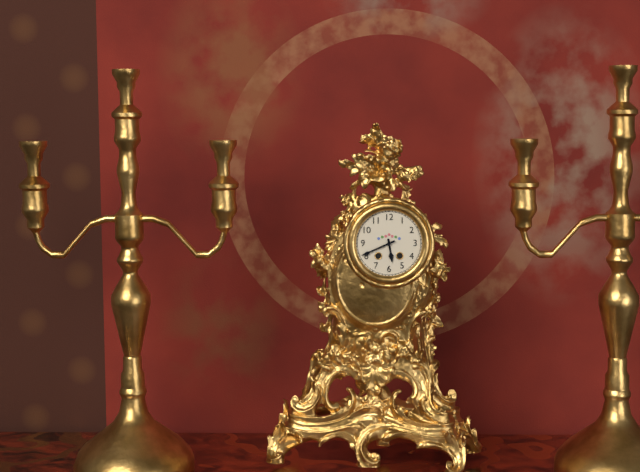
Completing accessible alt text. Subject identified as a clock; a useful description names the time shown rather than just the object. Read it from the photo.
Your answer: 5:41
